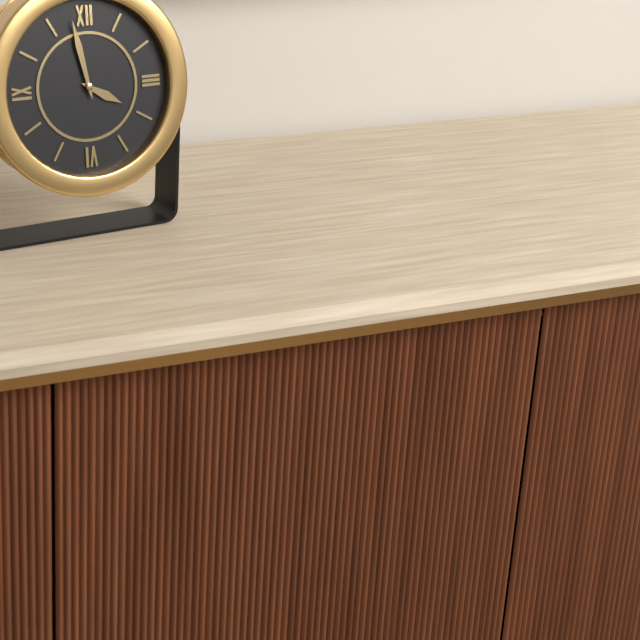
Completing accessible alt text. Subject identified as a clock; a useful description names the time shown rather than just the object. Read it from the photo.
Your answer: 3:58
